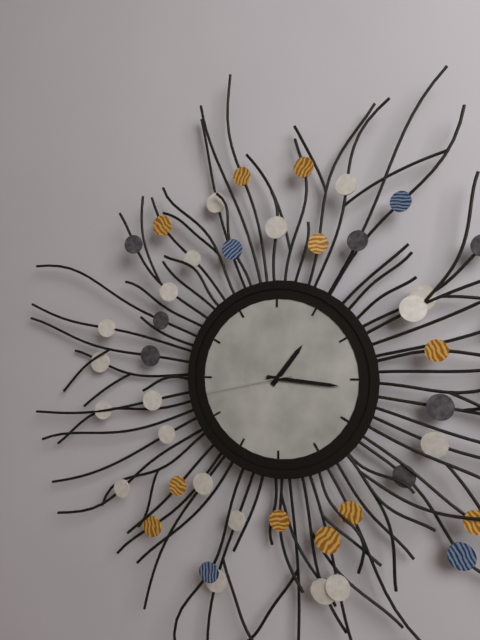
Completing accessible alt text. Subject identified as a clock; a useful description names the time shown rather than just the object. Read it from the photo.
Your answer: 1:16:43
